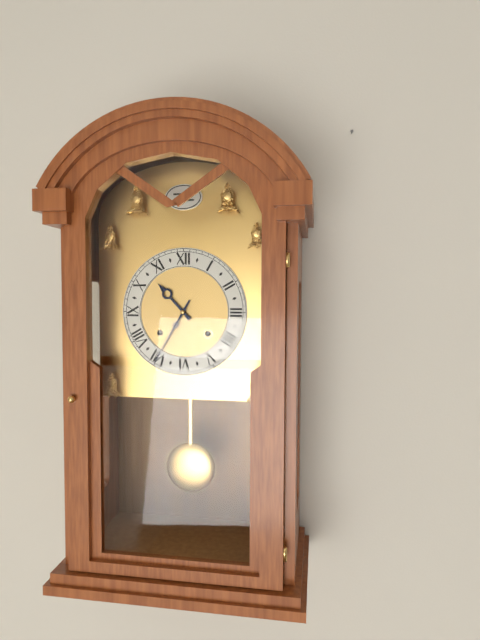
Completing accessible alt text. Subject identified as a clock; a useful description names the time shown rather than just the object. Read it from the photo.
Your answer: 10:35
